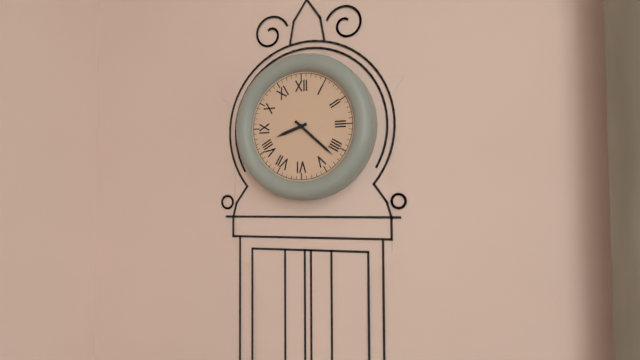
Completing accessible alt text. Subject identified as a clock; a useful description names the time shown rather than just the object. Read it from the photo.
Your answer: 8:22
